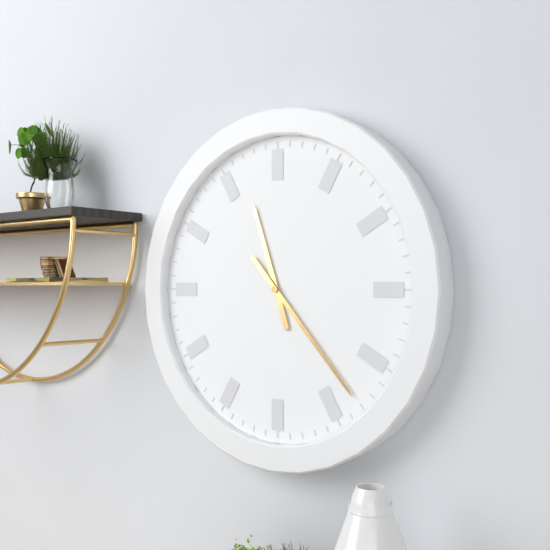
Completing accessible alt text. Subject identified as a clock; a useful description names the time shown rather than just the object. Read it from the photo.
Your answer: 11:23
